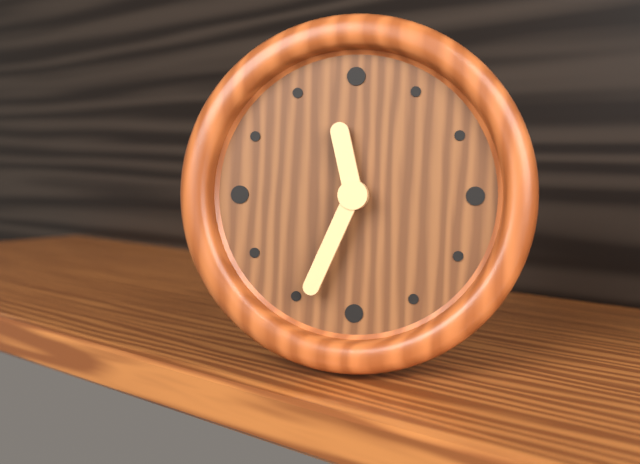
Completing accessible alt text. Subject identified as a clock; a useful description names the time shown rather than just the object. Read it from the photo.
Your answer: 11:34
